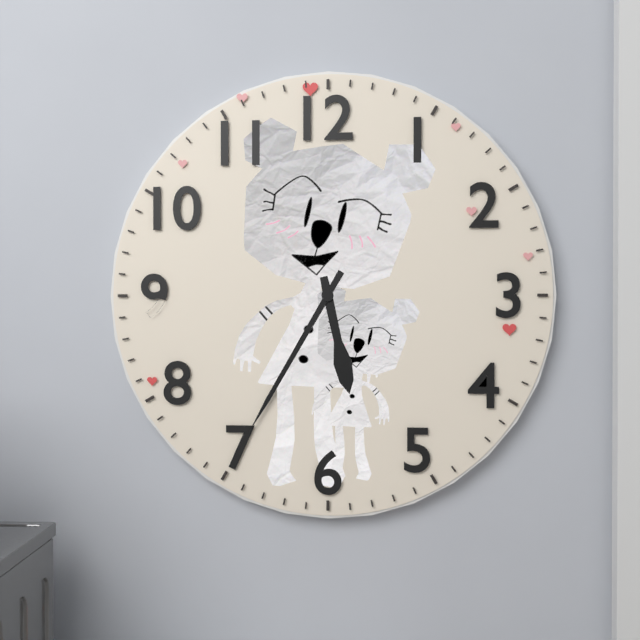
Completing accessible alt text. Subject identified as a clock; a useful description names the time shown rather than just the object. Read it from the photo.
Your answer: 5:35
